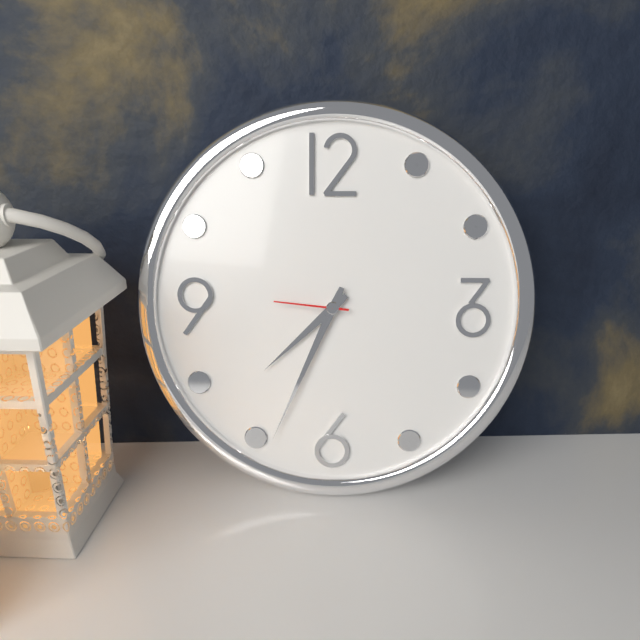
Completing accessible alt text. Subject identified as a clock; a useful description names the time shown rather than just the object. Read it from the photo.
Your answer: 7:34:46
